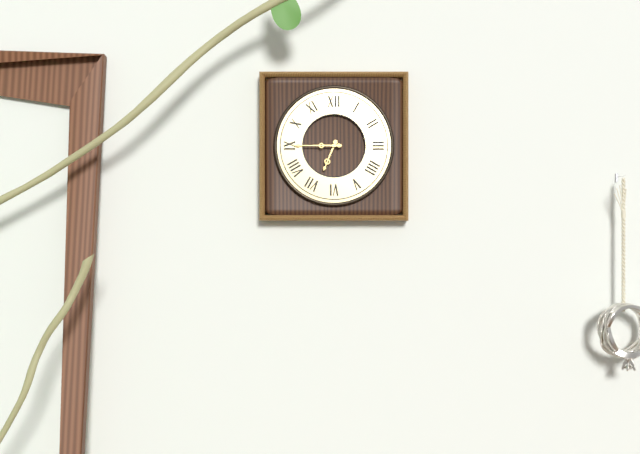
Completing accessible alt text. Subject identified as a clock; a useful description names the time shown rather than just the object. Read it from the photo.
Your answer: 6:45
